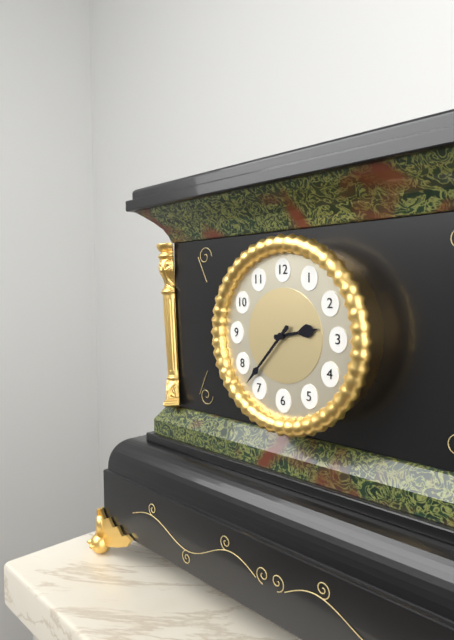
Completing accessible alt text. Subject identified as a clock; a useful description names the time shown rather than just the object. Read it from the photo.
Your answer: 2:37
